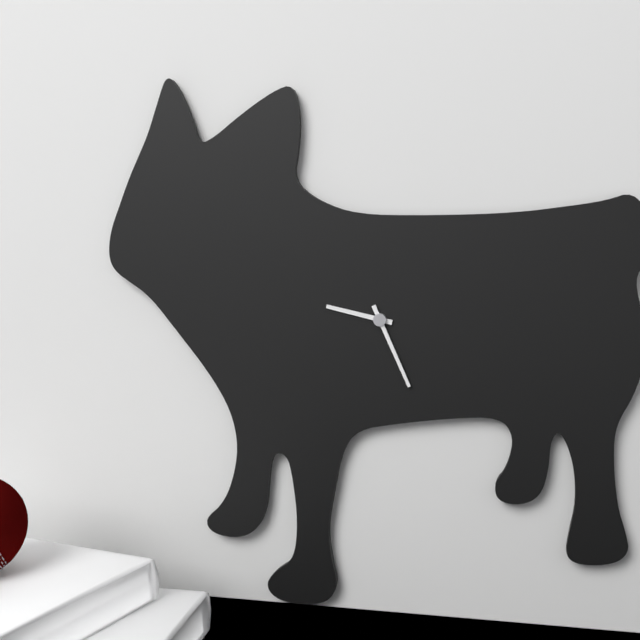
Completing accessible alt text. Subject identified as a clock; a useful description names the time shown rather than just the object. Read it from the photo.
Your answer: 9:26
